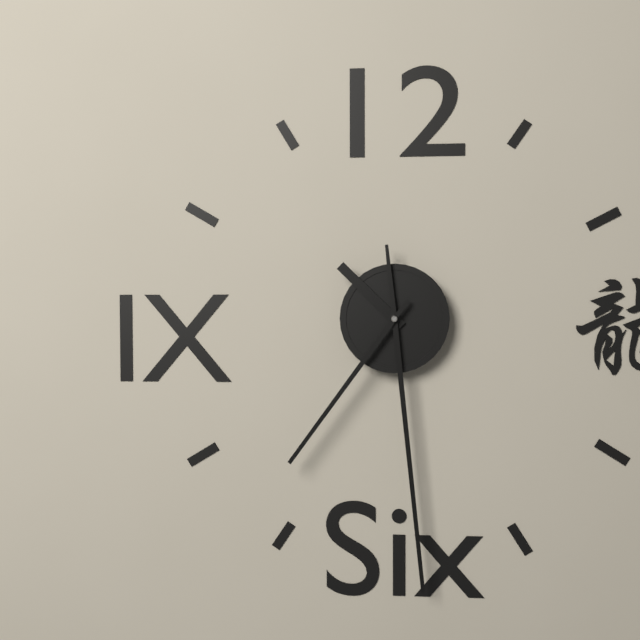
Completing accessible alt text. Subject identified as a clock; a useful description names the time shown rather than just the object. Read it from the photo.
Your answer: 10:29:36
